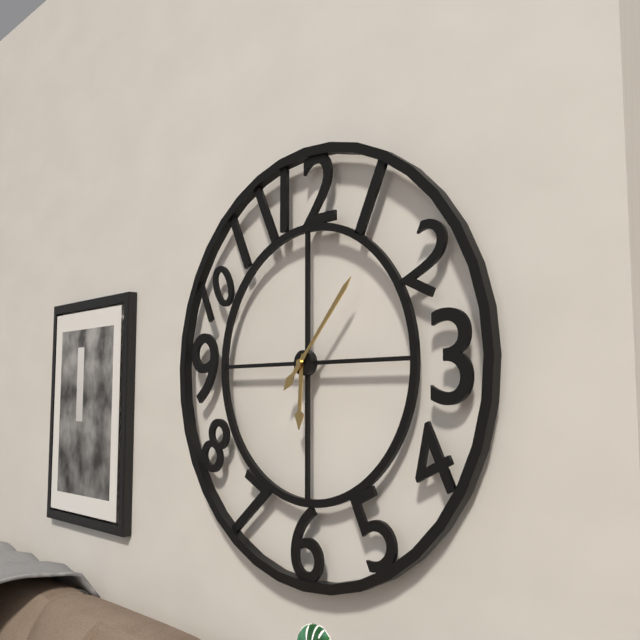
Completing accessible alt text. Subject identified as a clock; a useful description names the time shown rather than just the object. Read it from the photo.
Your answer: 6:07
